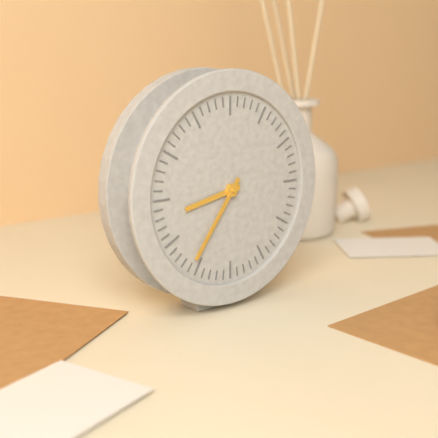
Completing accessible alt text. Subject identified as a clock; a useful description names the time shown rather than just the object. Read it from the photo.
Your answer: 8:36
